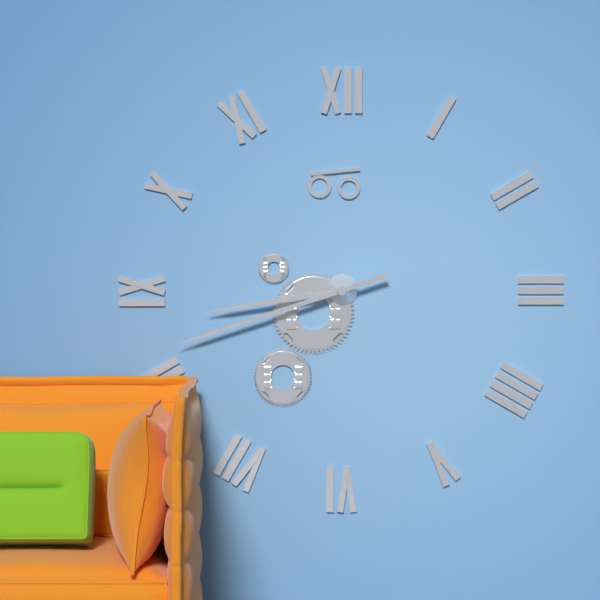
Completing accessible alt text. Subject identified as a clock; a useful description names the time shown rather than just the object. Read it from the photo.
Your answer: 8:42
